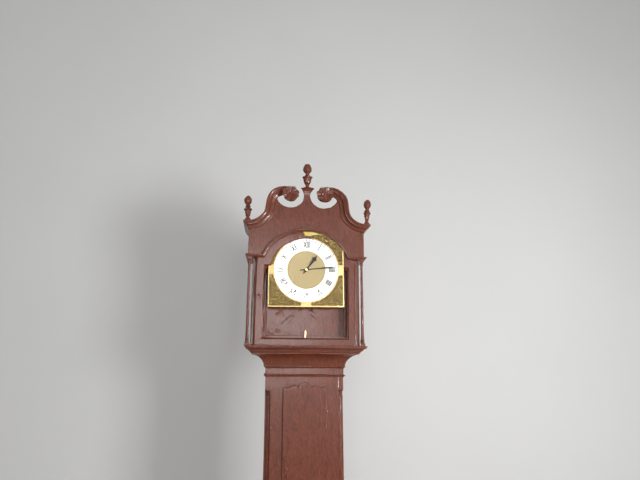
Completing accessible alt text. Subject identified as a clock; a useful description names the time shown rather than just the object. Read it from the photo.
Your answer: 1:14
